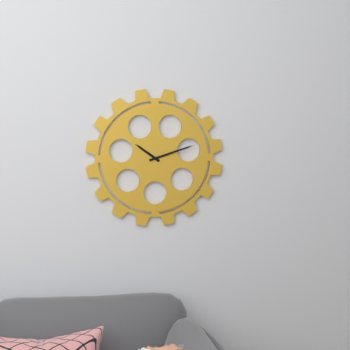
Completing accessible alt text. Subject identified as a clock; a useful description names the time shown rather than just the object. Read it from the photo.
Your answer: 10:12
